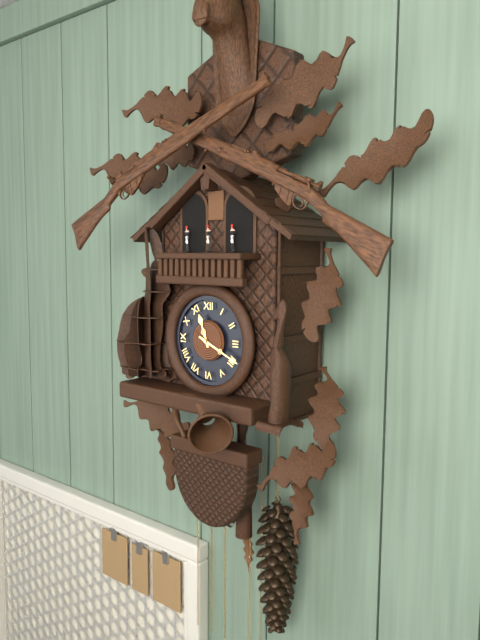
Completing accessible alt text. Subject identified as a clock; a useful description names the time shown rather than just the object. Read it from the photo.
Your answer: 11:19
